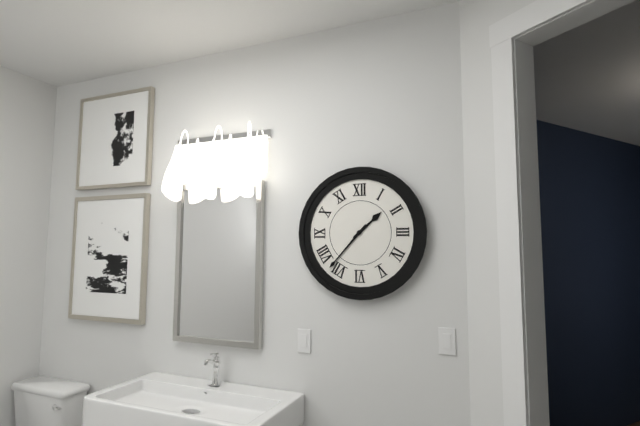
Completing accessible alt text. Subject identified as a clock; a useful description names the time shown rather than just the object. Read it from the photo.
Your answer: 1:37
